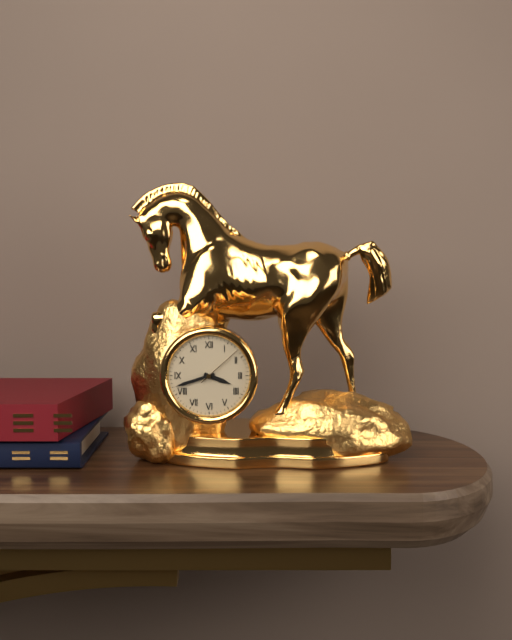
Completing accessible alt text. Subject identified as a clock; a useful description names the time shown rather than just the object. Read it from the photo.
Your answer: 3:42
